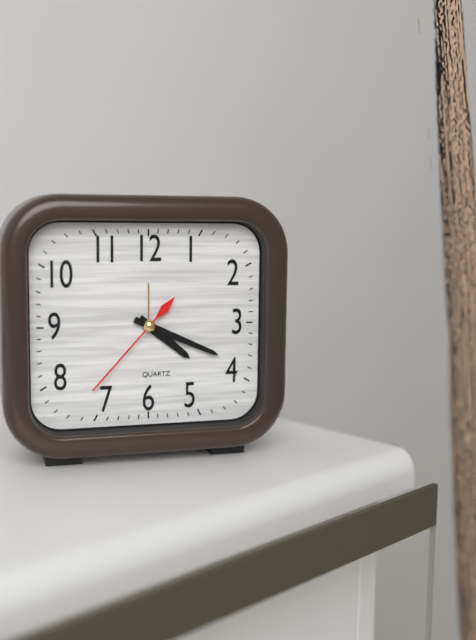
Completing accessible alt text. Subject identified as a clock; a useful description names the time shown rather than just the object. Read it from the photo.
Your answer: 4:19:37
